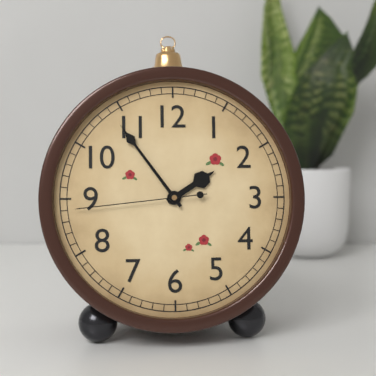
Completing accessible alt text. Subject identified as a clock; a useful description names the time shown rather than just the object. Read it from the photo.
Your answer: 1:54:44
